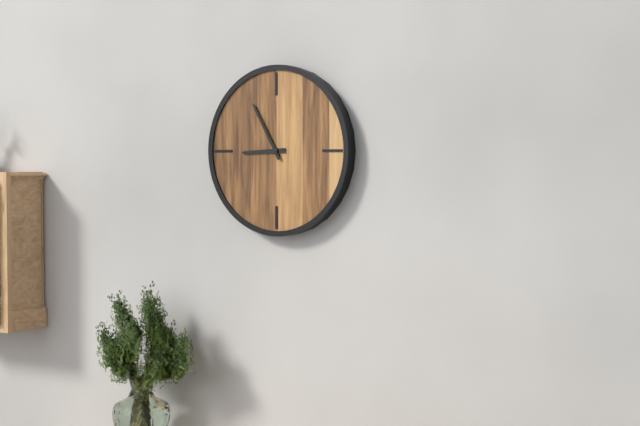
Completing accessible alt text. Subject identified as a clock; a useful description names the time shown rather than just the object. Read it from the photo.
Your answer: 8:55
